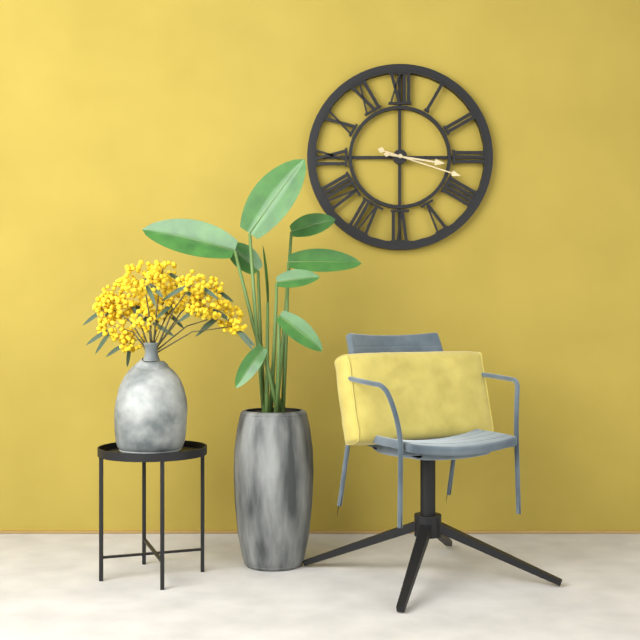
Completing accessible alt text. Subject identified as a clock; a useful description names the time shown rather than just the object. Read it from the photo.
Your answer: 3:18
